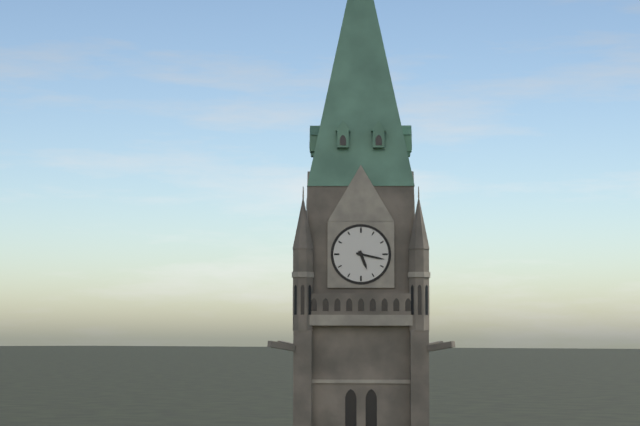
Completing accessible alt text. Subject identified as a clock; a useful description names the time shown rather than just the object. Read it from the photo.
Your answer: 5:17
